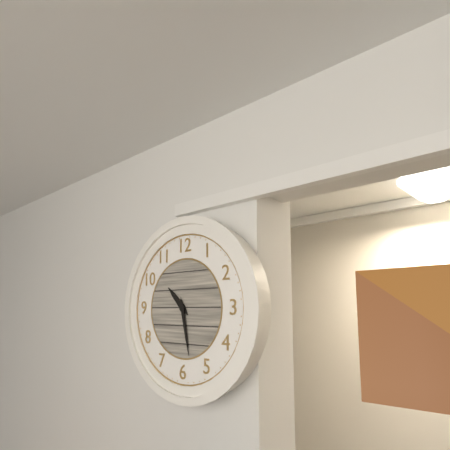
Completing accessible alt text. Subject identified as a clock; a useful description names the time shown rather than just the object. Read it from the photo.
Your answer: 10:28
